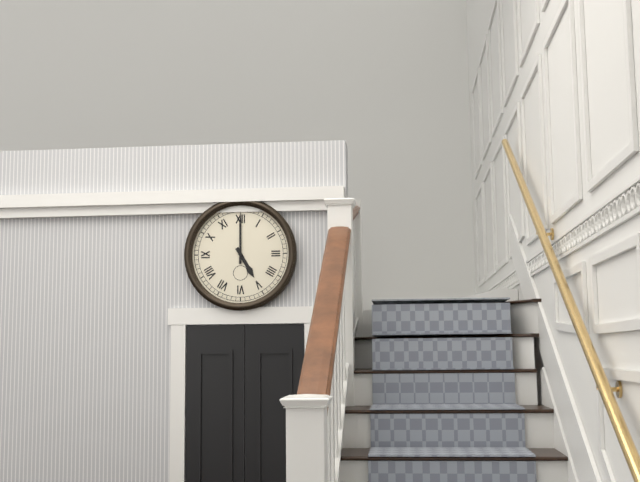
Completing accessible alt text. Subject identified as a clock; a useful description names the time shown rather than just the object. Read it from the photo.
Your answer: 5:00
